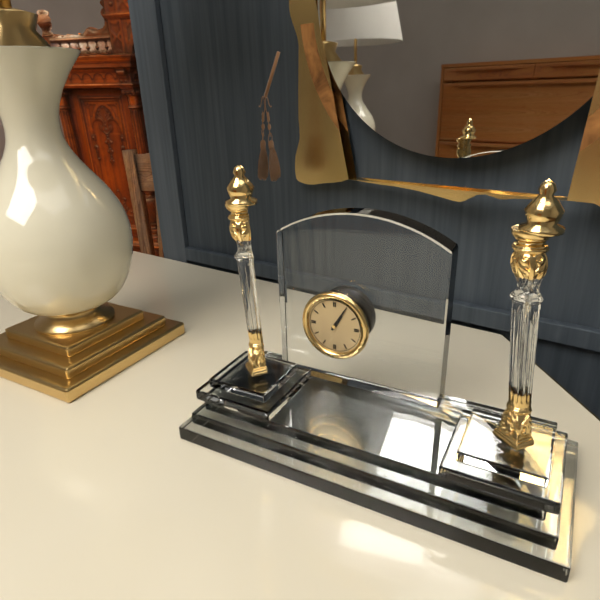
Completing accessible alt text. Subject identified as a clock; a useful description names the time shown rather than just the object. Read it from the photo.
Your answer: 1:05
